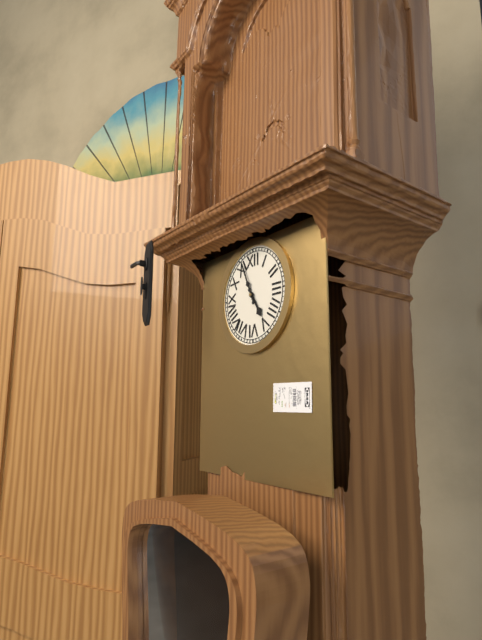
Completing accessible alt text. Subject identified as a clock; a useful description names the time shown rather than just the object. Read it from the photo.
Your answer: 4:56
